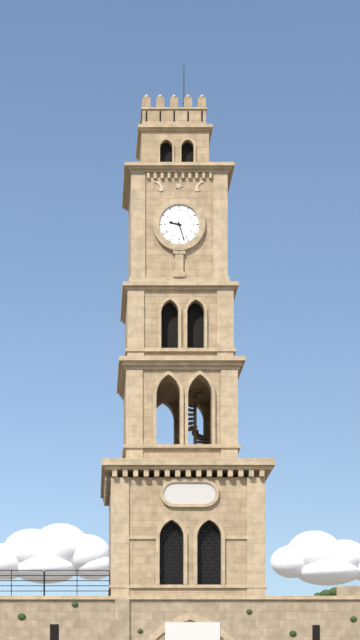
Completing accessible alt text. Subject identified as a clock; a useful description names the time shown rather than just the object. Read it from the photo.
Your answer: 9:27
